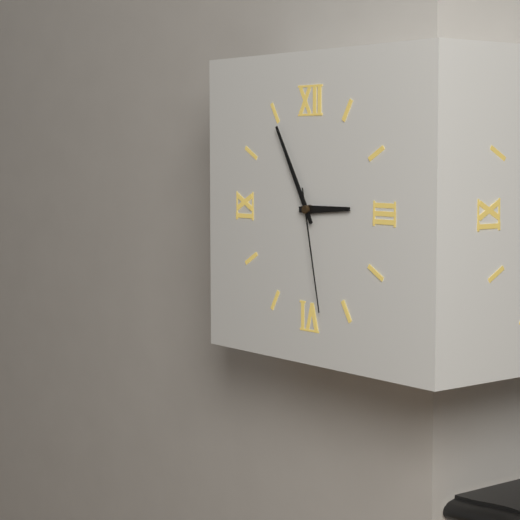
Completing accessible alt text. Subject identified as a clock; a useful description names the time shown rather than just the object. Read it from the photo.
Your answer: 2:55:28
